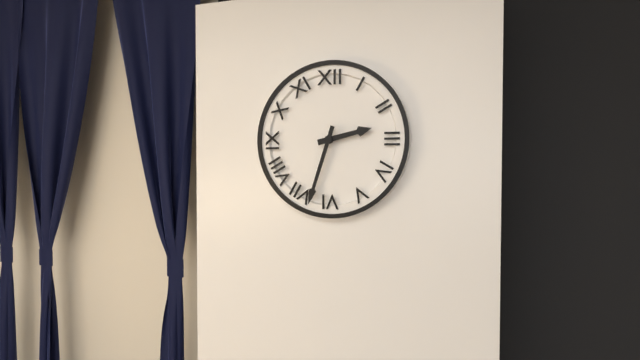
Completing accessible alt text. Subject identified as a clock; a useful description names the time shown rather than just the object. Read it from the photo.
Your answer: 2:33
